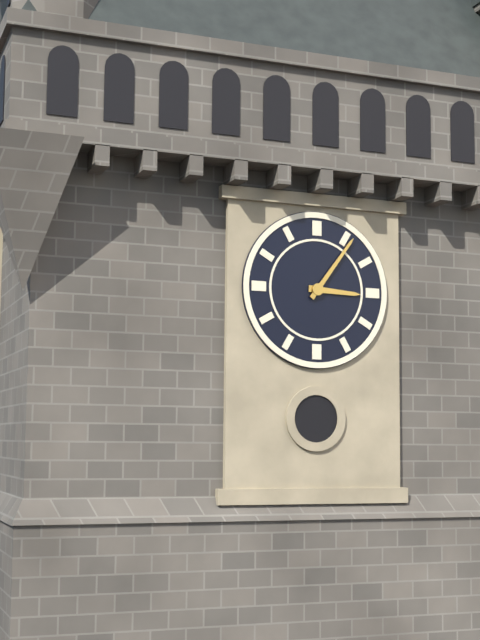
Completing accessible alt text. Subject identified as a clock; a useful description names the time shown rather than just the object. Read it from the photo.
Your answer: 3:06
